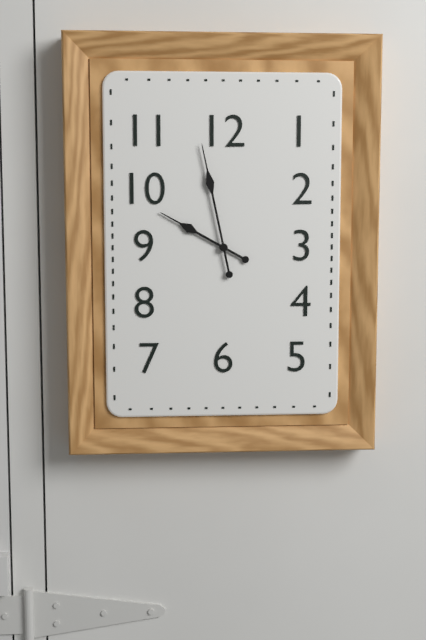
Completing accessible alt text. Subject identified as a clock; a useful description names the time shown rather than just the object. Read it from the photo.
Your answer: 9:58
